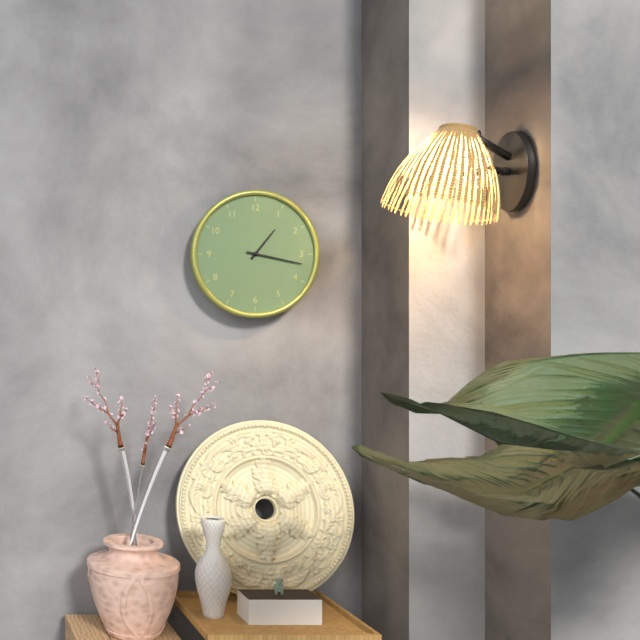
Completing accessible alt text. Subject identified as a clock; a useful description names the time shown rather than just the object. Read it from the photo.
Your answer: 1:17
